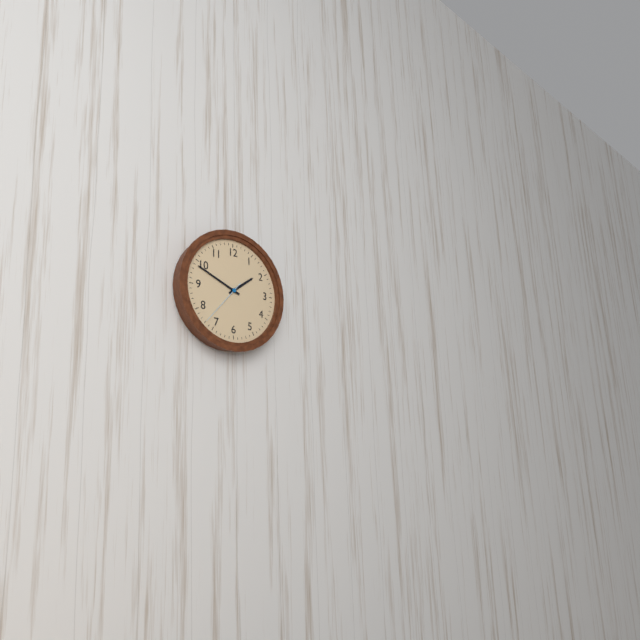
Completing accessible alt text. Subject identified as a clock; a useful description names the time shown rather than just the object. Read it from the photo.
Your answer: 1:49:37
